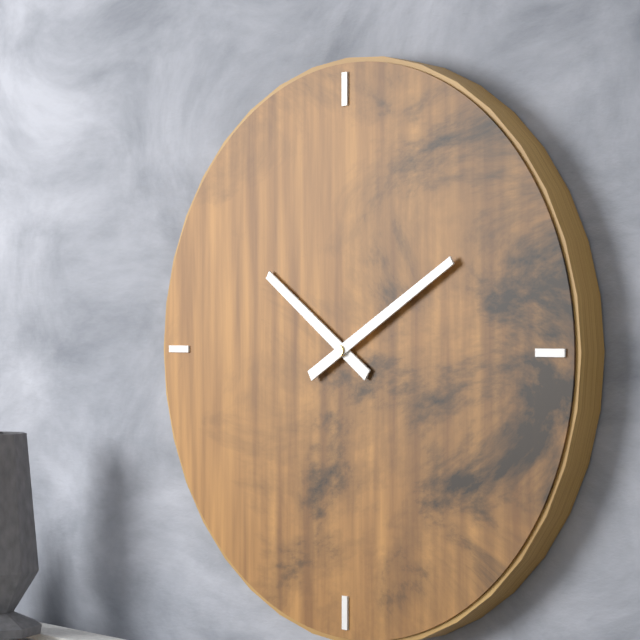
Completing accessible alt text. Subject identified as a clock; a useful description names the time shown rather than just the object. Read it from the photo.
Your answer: 10:10
